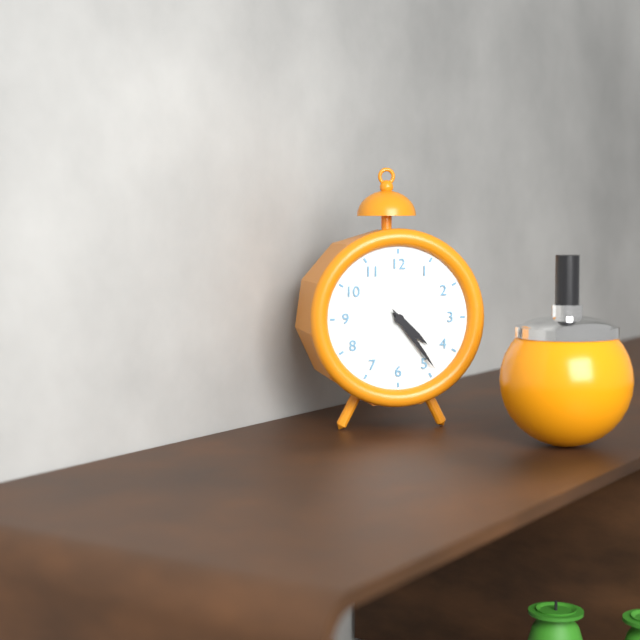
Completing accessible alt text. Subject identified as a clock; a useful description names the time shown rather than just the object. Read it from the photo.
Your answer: 4:24
